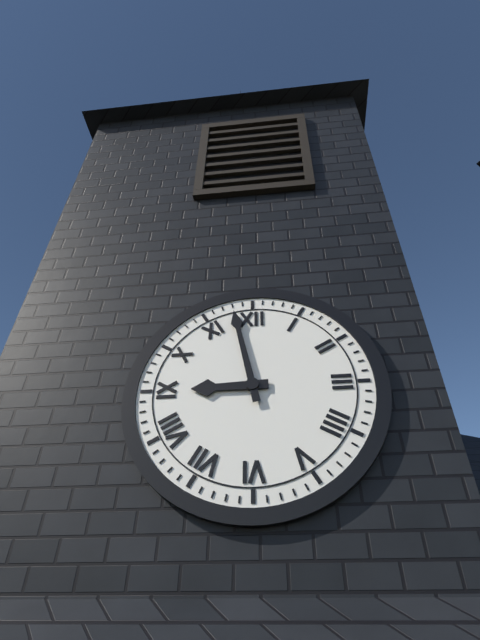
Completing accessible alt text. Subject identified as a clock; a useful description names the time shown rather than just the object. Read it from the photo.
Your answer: 8:58
